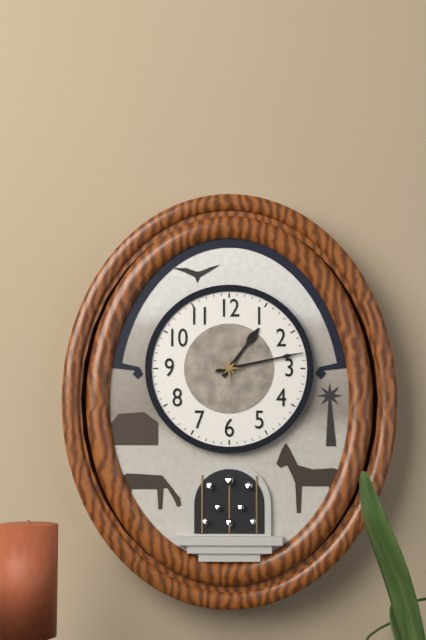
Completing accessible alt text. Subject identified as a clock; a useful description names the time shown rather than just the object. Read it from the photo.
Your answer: 1:13
